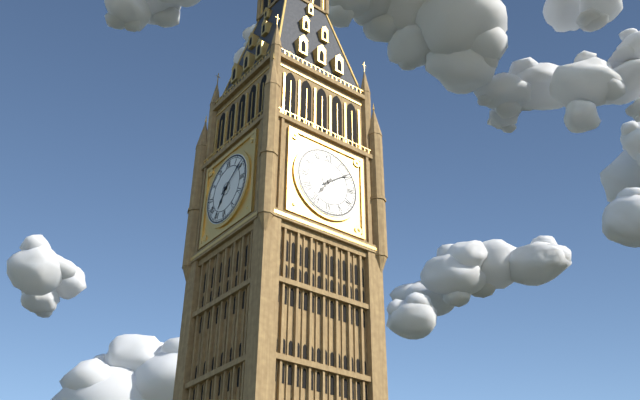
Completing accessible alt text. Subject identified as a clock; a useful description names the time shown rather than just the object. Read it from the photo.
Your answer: 7:09
